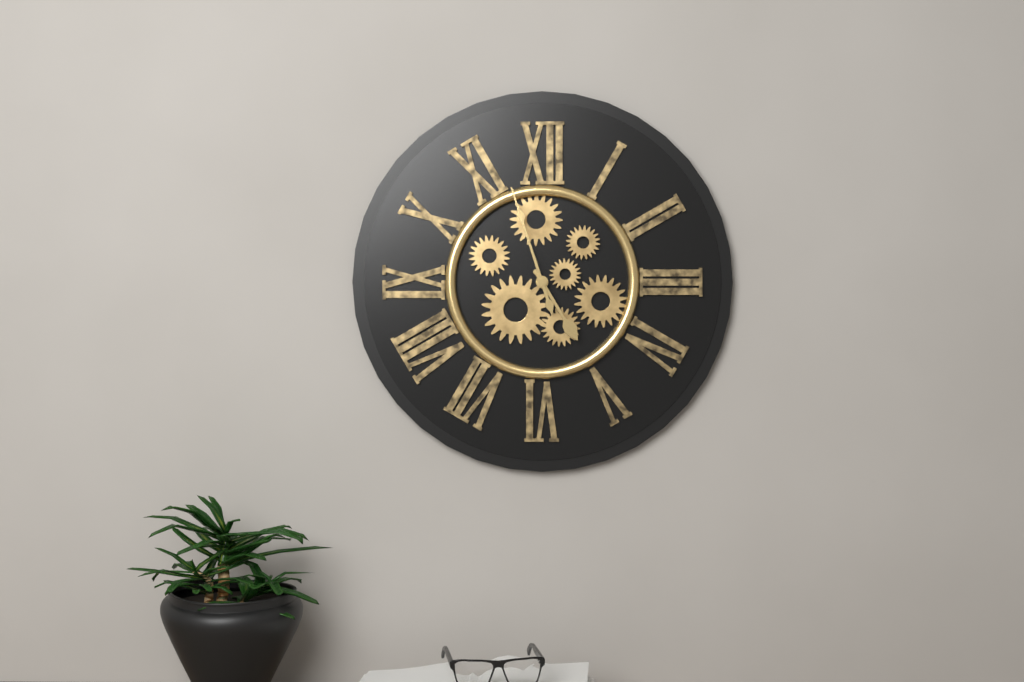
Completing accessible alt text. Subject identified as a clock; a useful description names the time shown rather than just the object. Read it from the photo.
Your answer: 4:57
